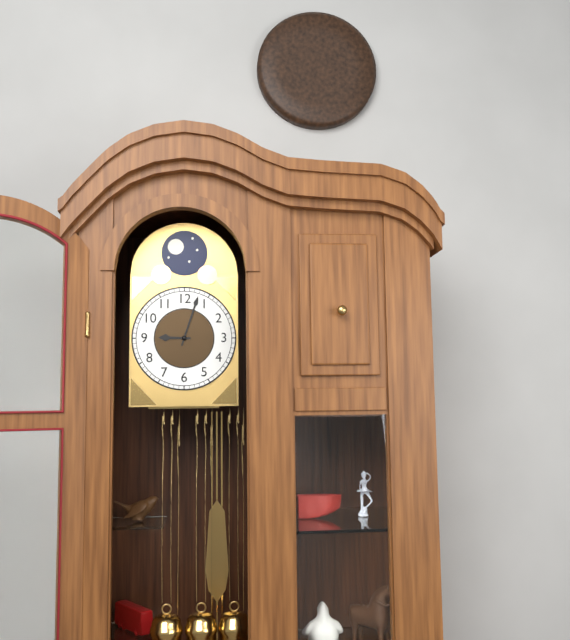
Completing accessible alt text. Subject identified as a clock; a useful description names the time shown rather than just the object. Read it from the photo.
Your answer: 9:03
